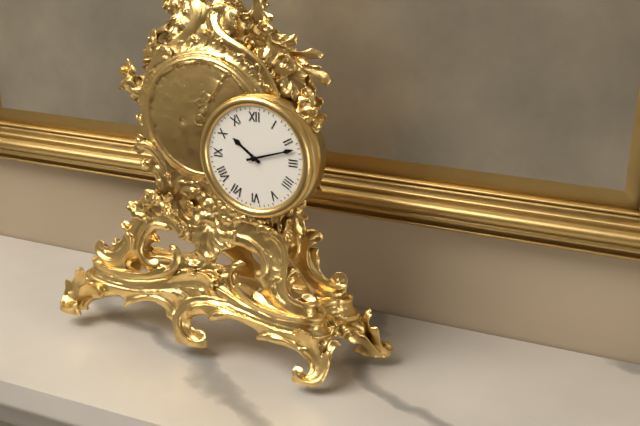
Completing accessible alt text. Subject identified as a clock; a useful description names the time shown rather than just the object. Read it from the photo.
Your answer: 10:12
